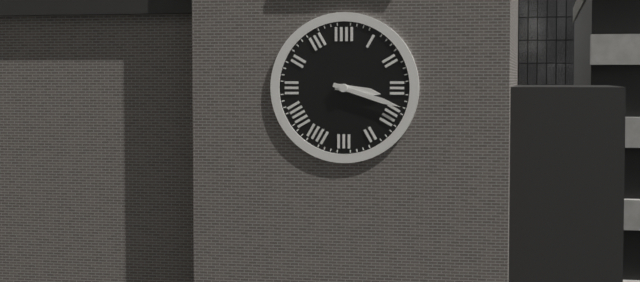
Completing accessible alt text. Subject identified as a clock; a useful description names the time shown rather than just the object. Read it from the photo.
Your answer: 3:18
